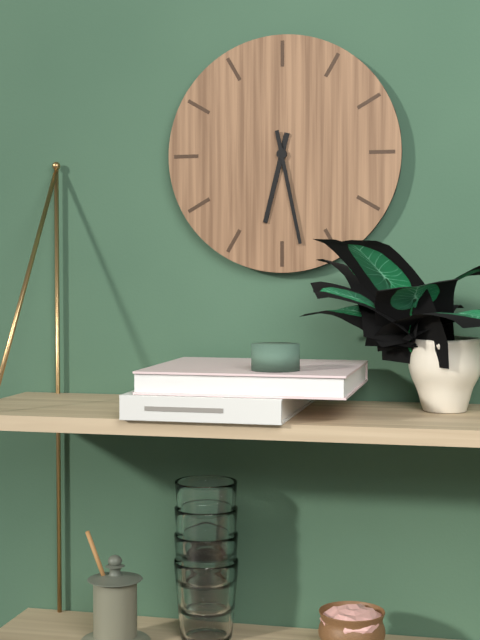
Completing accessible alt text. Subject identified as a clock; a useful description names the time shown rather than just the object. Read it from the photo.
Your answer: 6:28
